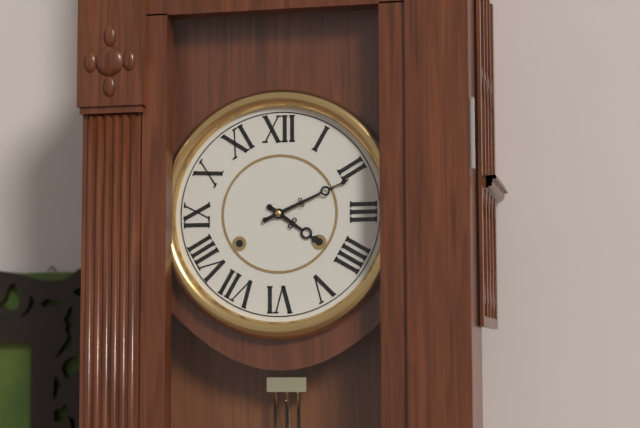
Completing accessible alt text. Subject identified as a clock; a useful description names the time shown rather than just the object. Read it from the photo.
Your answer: 4:11
